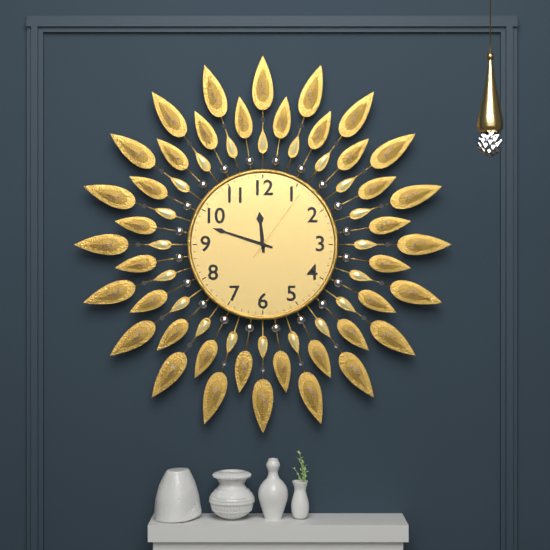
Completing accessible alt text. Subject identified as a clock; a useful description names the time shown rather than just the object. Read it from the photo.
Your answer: 11:48:06
